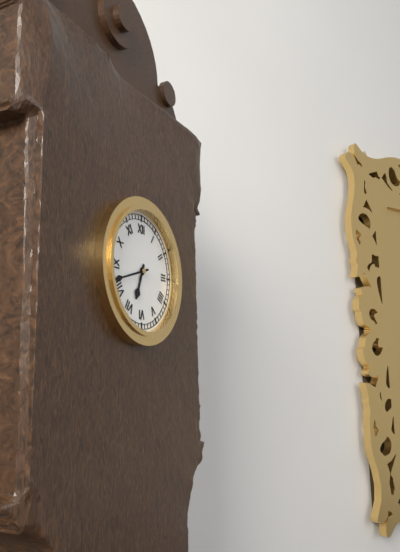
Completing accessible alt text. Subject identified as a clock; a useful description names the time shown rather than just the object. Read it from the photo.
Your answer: 6:42
